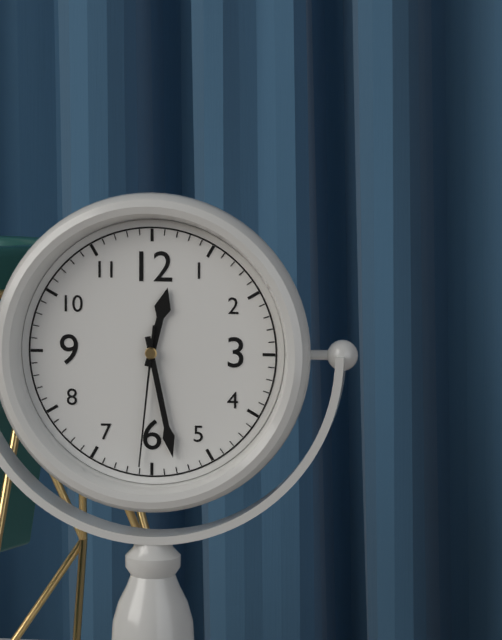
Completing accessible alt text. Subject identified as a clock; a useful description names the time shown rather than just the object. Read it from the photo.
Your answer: 12:28:31
